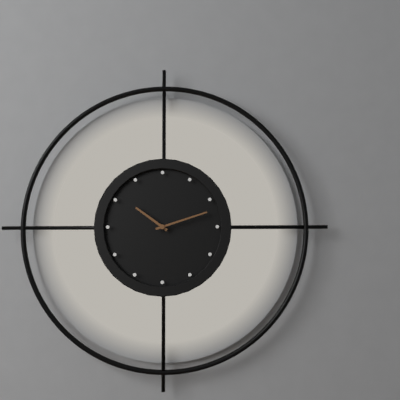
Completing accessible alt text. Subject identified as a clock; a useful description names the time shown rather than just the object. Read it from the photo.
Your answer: 10:12
